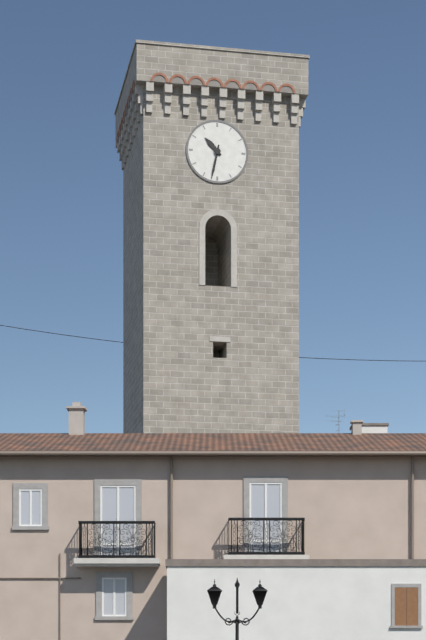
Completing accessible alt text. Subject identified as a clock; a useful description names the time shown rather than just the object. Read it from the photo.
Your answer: 10:32
